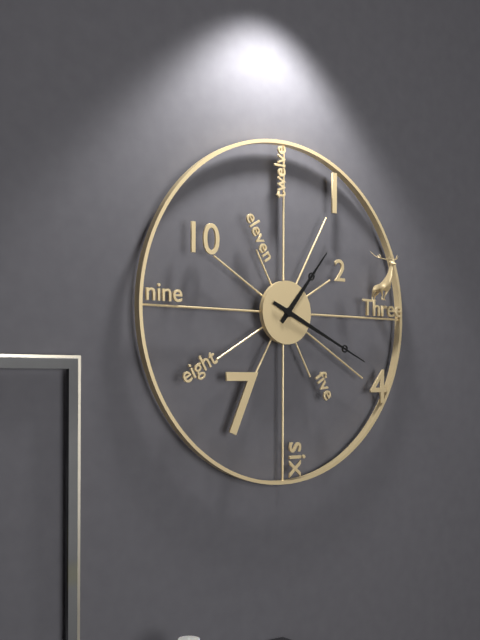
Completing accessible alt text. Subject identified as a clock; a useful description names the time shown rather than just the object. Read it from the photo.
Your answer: 1:19
